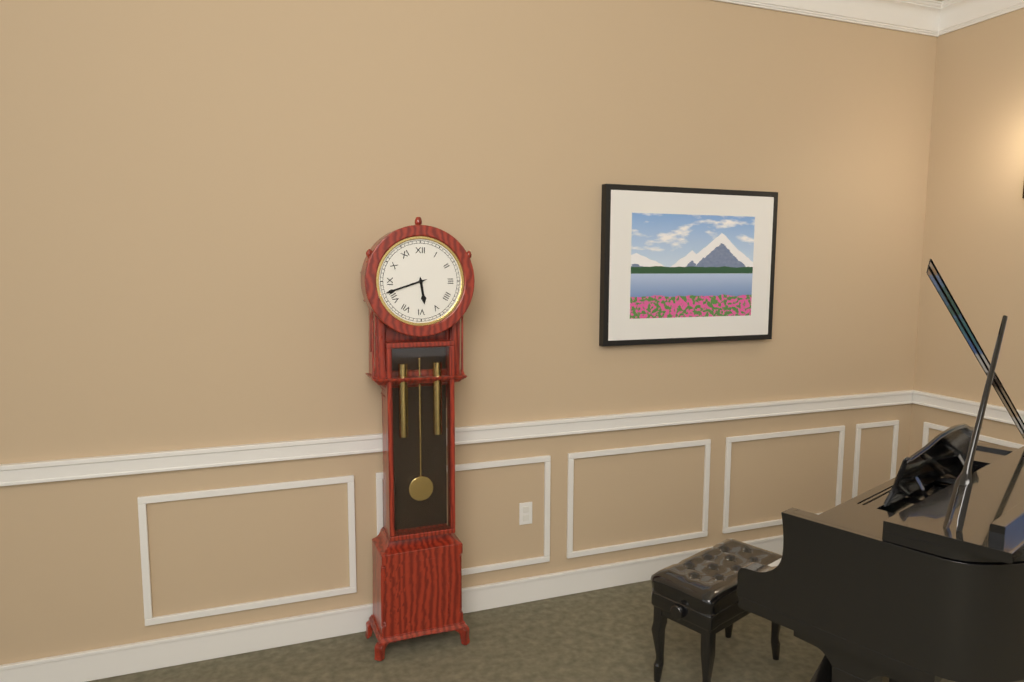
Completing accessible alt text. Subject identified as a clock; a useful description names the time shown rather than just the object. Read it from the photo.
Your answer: 5:42
